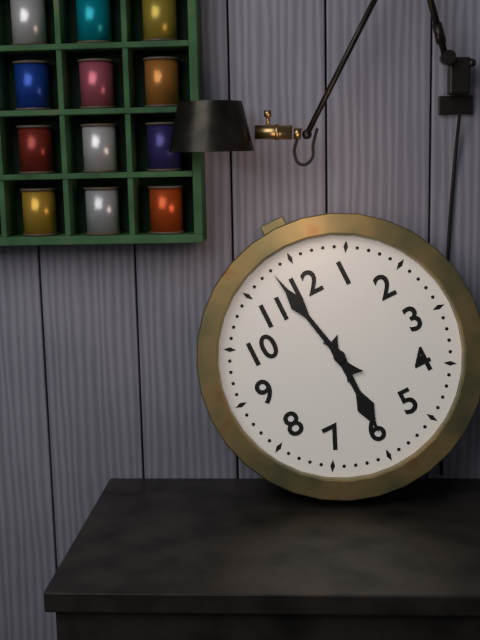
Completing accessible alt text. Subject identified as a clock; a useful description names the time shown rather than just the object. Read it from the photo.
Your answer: 5:58
